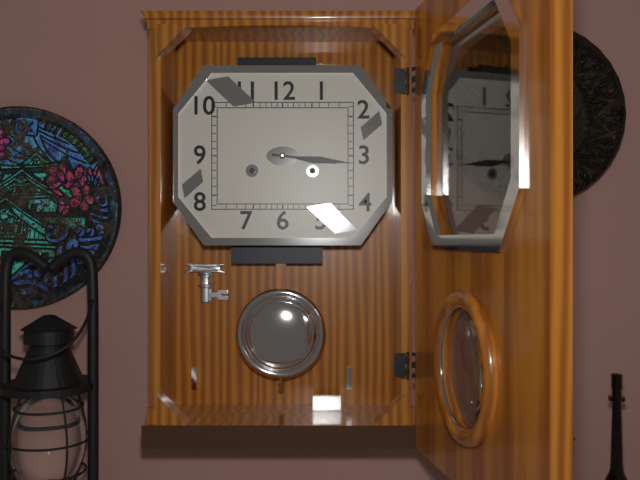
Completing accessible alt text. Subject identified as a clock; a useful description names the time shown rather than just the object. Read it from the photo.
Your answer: 3:16
